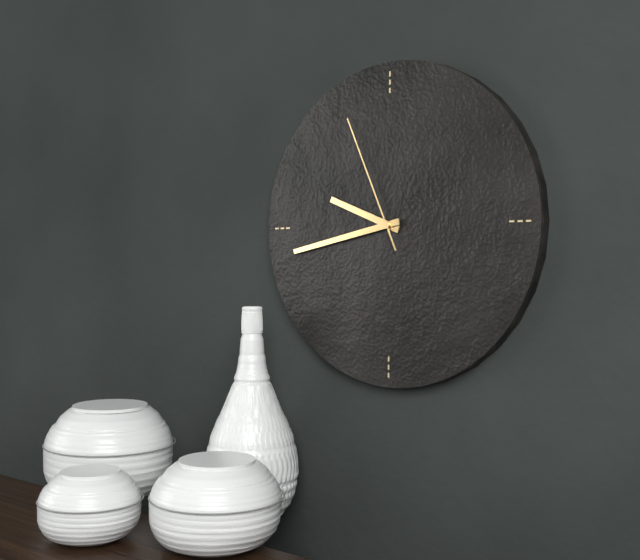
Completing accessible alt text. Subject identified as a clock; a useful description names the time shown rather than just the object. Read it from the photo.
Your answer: 9:43:56
